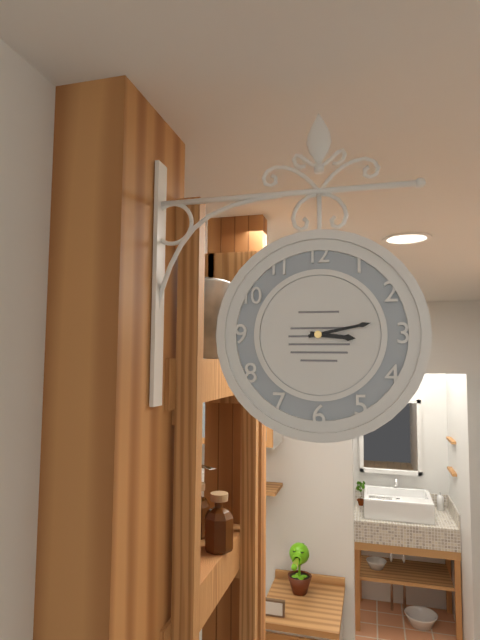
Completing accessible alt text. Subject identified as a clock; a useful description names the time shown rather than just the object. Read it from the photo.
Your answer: 3:13
